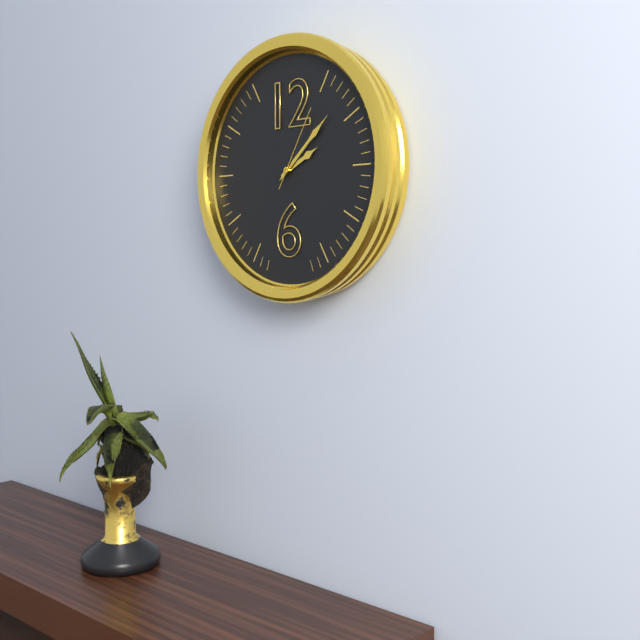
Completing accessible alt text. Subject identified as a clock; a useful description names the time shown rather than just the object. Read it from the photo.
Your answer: 2:08:05
